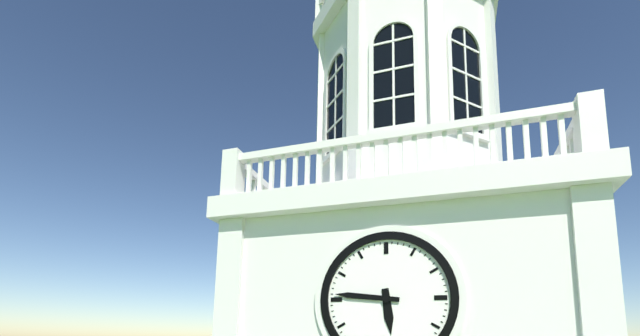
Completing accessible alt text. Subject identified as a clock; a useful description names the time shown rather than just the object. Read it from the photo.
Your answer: 5:46
